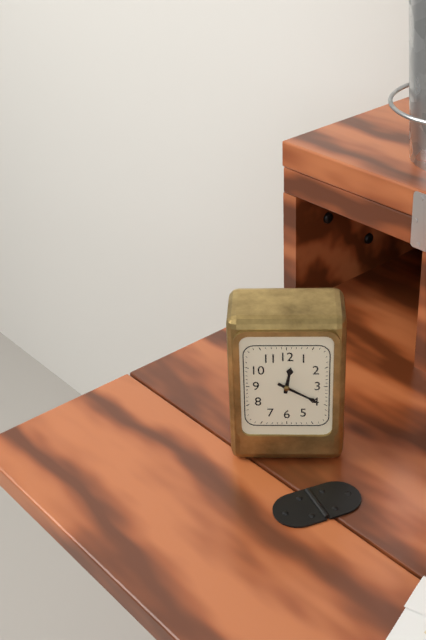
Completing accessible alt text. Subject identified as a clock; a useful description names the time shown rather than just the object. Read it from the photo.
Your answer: 12:20
